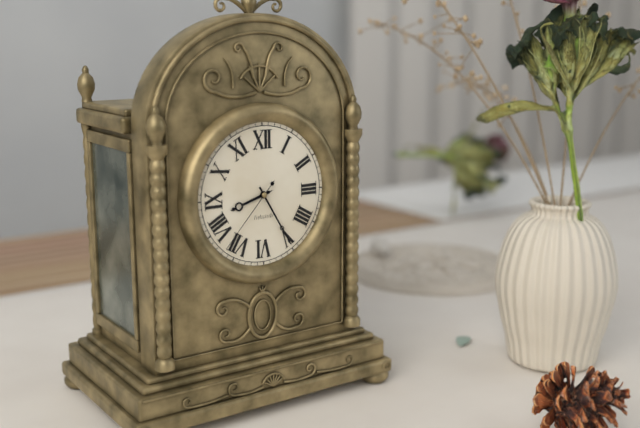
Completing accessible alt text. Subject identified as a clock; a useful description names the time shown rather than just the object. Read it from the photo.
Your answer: 8:25:37
